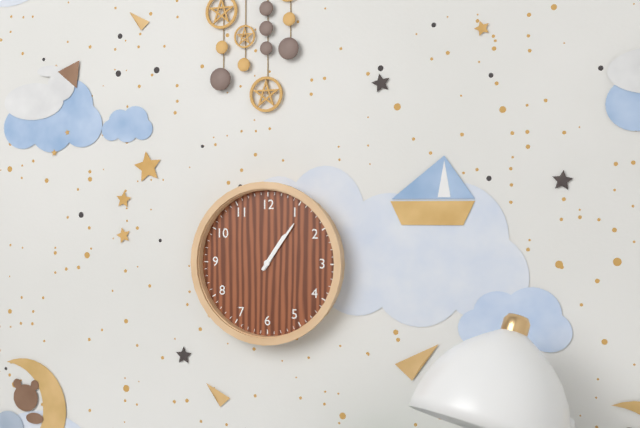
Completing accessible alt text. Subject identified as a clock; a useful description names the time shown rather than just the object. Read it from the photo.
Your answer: 1:06
